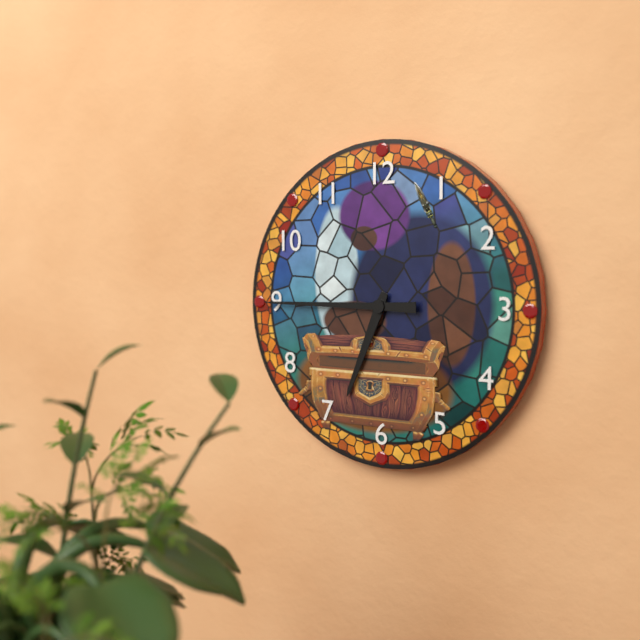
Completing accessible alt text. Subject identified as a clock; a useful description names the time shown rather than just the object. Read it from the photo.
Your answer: 6:45
